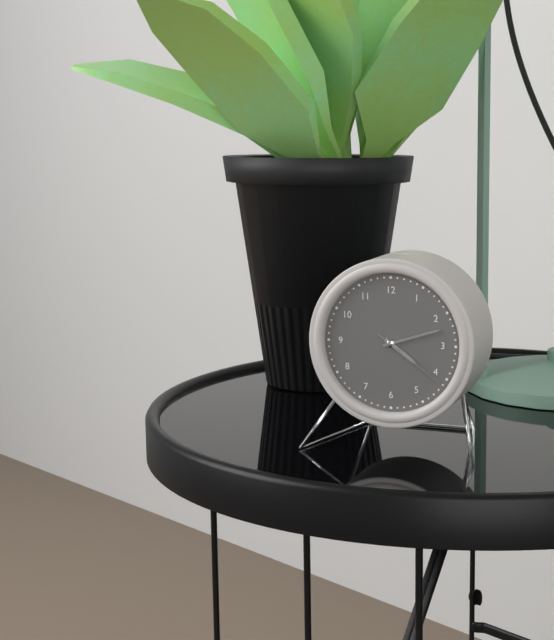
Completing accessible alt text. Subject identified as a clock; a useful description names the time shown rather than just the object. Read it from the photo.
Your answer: 4:12:21
